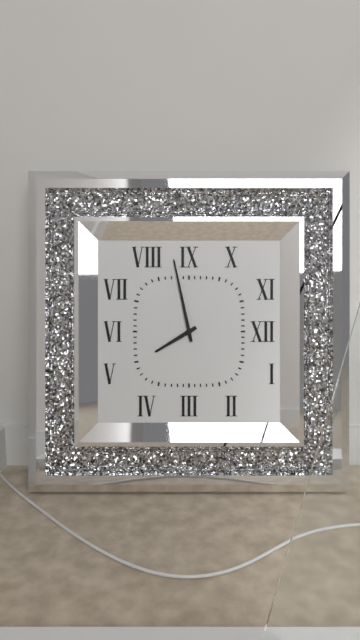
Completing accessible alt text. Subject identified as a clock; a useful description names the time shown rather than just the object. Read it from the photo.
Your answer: 7:58
